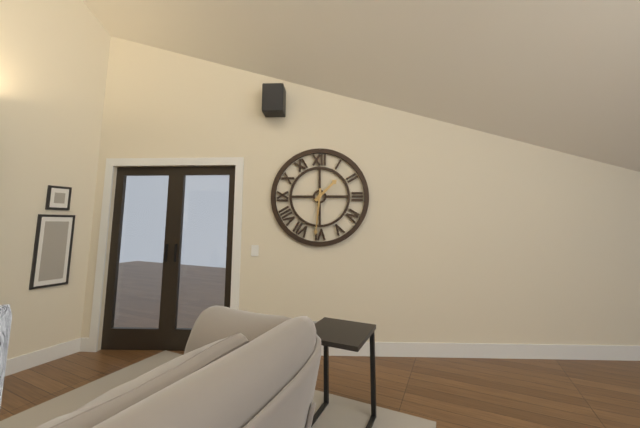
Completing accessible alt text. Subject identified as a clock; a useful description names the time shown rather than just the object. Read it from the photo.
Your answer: 1:31
